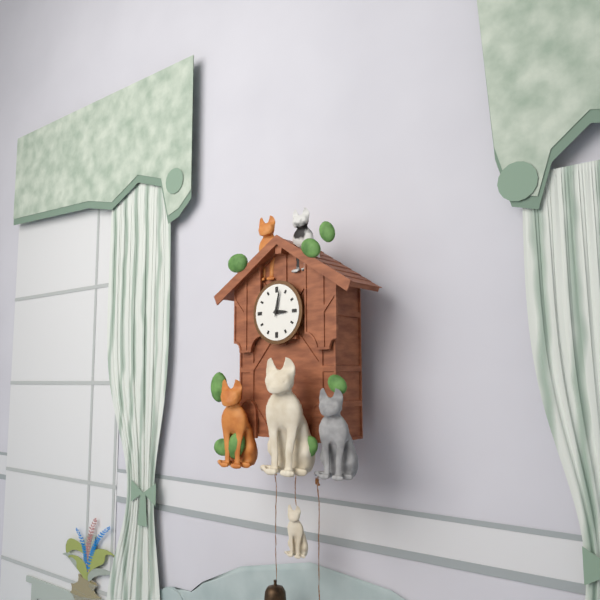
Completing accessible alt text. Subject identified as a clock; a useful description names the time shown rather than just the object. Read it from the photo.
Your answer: 3:02
